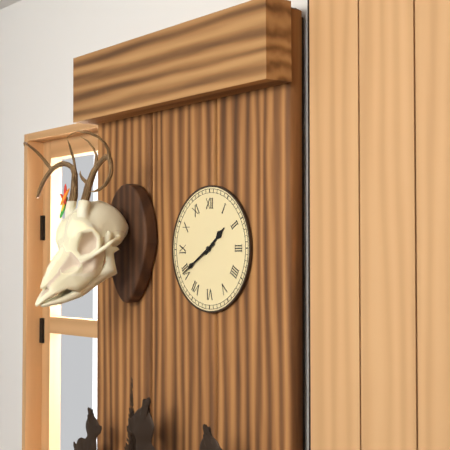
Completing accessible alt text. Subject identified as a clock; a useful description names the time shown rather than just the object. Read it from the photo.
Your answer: 1:40
